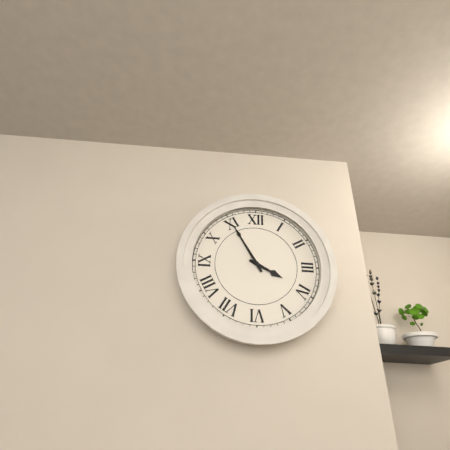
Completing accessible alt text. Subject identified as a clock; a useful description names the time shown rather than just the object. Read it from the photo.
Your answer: 3:55
